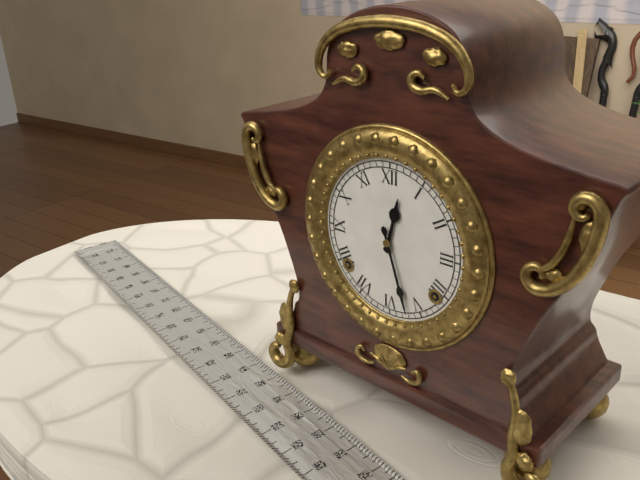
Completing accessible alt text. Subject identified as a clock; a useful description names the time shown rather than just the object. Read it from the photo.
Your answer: 12:27
